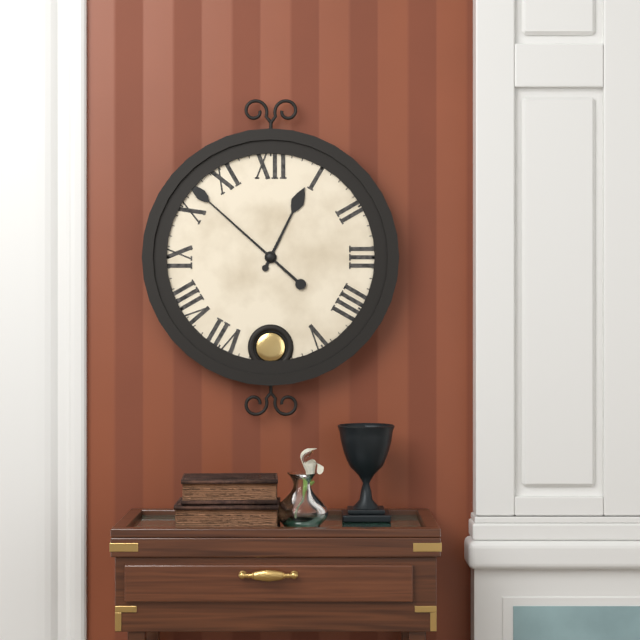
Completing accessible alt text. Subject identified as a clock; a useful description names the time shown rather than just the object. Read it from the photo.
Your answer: 12:52
